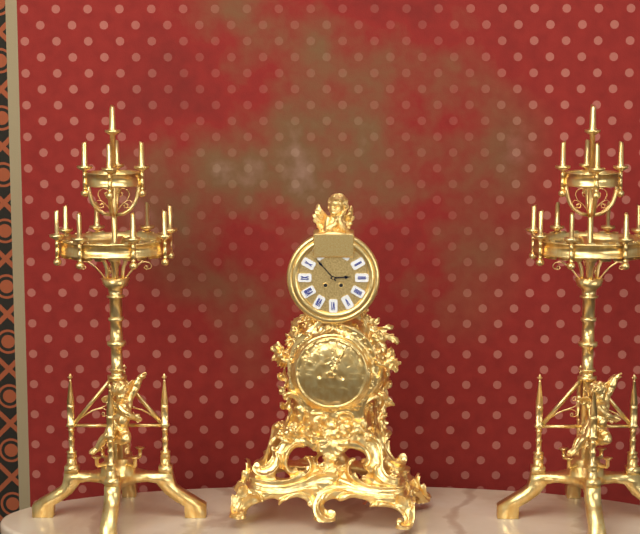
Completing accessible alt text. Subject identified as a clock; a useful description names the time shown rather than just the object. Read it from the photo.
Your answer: 2:53
